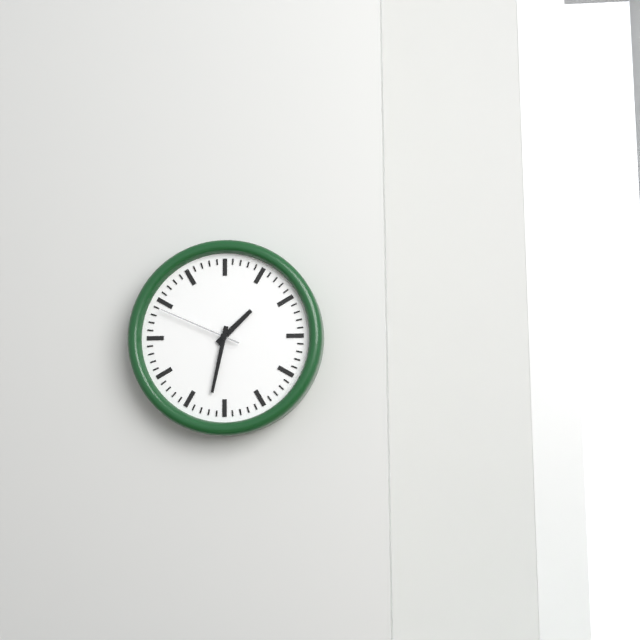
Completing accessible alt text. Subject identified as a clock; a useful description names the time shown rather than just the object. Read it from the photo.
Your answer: 1:32:49
